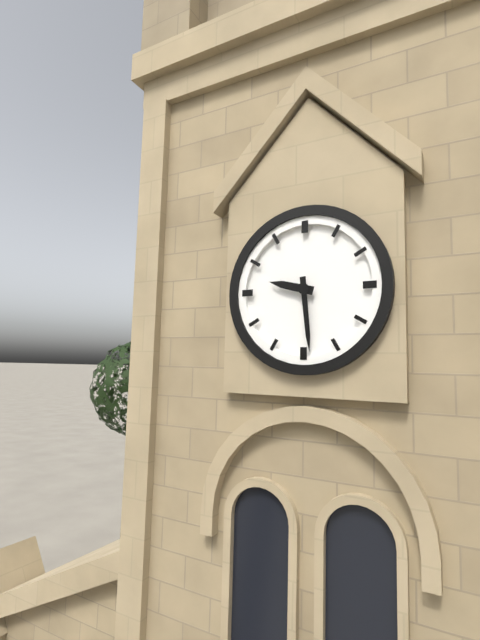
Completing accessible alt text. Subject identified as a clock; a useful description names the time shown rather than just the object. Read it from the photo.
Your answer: 9:29
